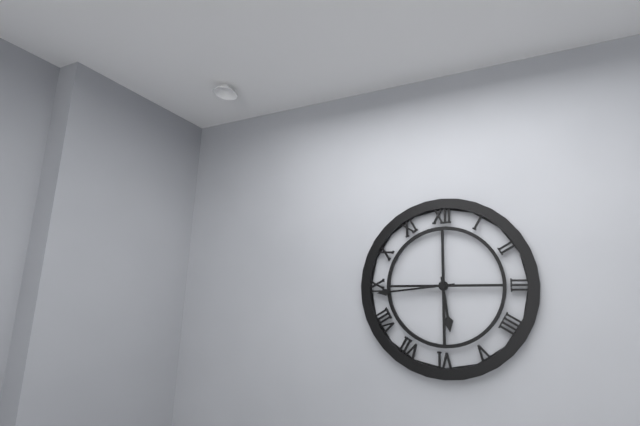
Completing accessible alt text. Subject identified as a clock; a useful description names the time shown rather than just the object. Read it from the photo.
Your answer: 5:44
